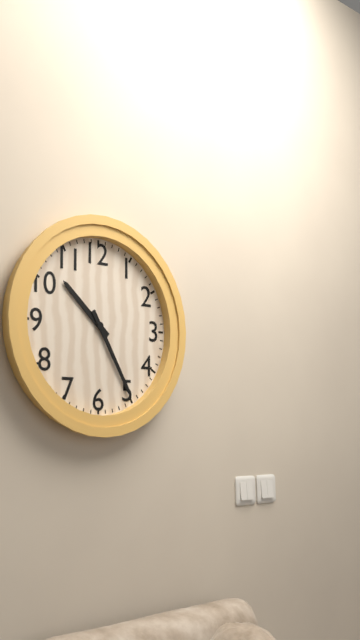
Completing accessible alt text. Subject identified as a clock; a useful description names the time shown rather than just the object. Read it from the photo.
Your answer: 10:25
